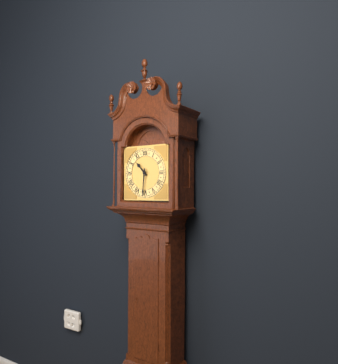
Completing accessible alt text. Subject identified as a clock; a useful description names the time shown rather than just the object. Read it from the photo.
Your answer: 10:31
